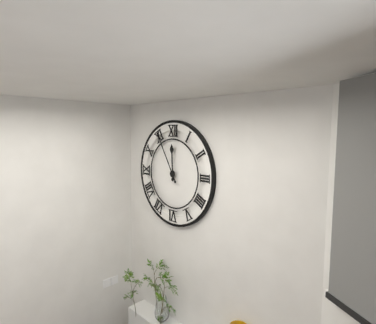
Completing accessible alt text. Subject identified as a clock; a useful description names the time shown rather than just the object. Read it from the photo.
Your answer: 11:55
